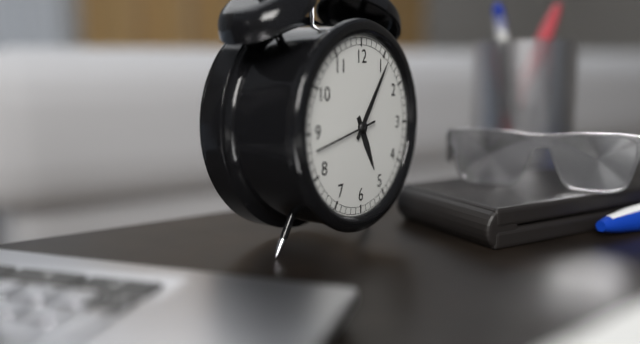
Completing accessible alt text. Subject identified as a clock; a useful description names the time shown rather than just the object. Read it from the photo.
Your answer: 5:06:43
